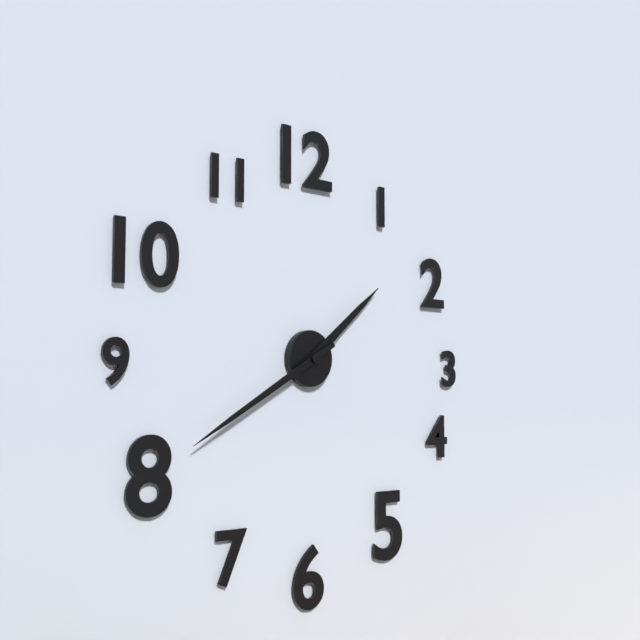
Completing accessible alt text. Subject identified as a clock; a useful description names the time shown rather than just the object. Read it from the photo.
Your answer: 1:40
